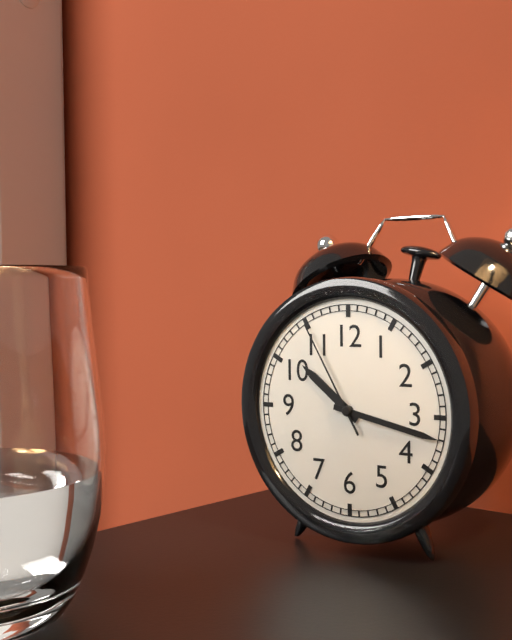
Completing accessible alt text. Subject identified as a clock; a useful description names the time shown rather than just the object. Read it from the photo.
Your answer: 10:17:55
